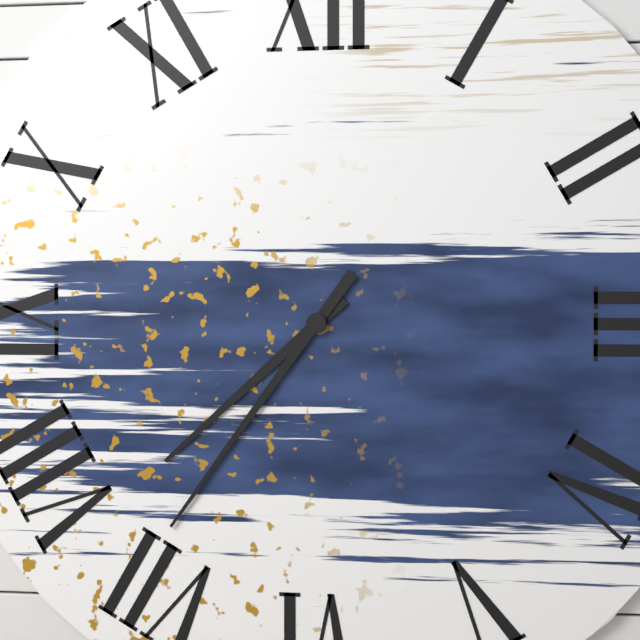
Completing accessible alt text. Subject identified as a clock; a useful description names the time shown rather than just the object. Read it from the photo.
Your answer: 7:36
